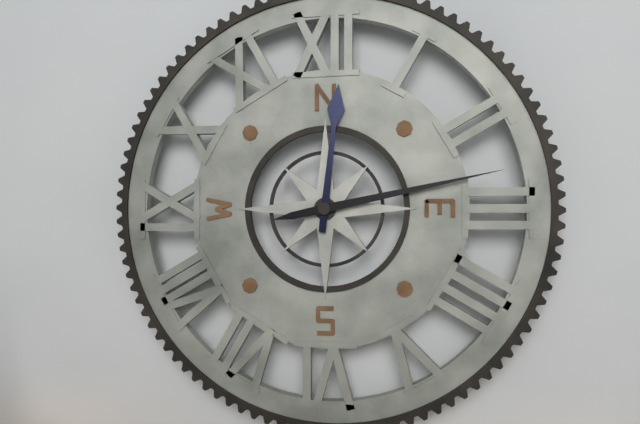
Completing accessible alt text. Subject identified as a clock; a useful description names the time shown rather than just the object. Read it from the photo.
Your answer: 12:13
